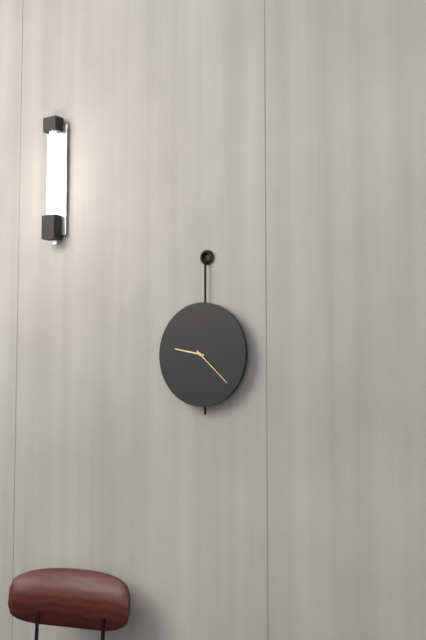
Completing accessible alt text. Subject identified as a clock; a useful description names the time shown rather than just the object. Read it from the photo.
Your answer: 9:22
